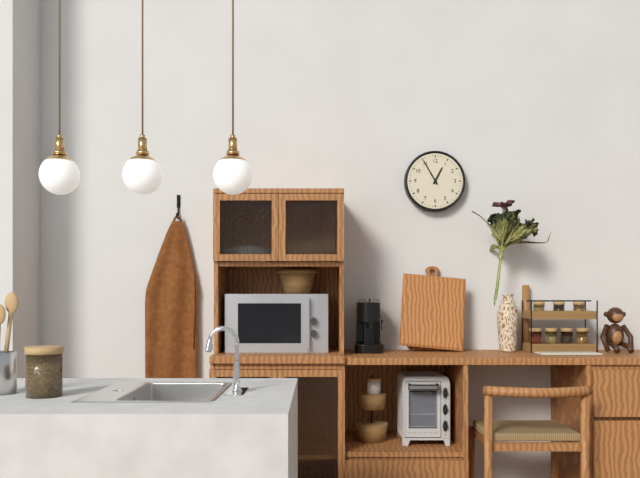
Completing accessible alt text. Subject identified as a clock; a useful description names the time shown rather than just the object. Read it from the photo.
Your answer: 12:55
